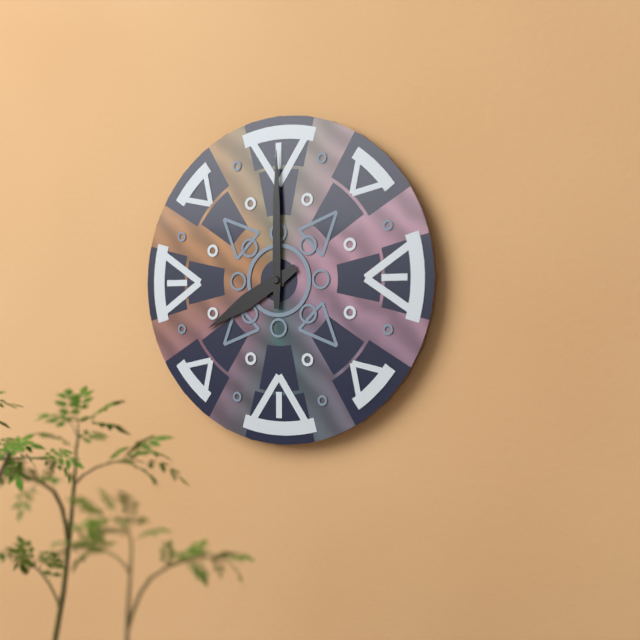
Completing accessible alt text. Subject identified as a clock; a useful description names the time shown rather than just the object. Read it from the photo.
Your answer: 8:00
